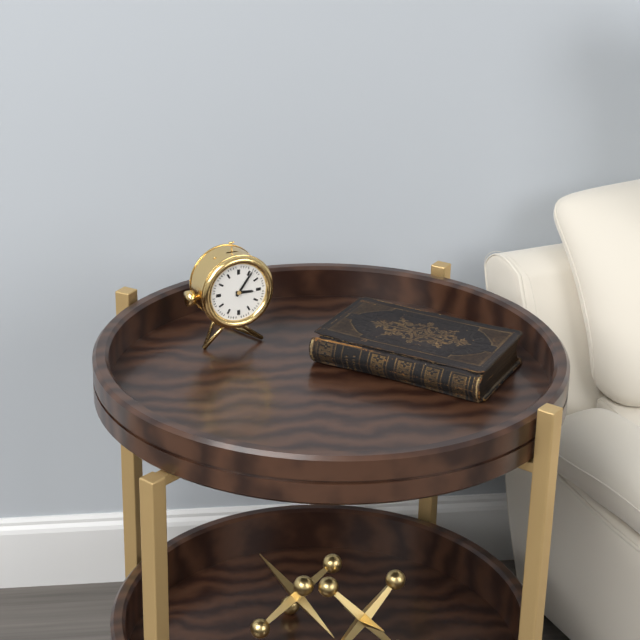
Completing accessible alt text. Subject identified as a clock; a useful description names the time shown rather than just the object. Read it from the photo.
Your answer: 3:06
